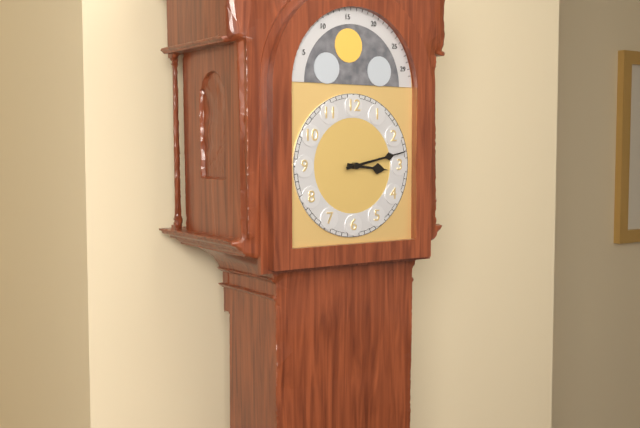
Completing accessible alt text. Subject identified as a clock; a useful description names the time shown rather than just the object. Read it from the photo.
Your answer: 3:13
